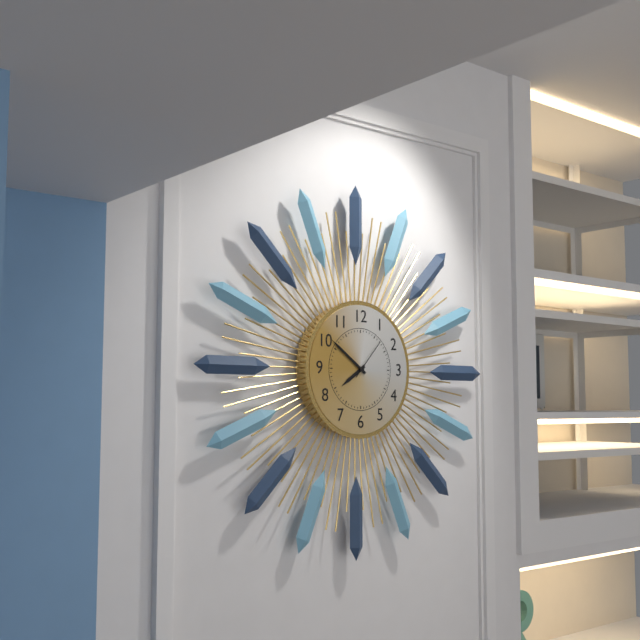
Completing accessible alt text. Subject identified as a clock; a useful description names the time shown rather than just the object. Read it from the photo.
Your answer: 7:51
